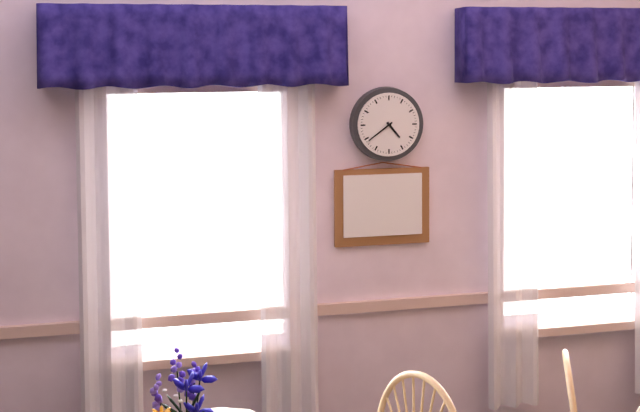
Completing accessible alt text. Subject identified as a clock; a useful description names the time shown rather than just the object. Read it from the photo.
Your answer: 4:39
